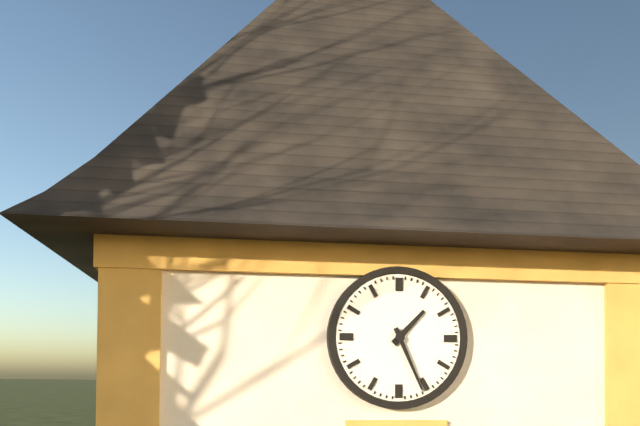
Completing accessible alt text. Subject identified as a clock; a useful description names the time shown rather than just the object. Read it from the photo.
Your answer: 1:26
